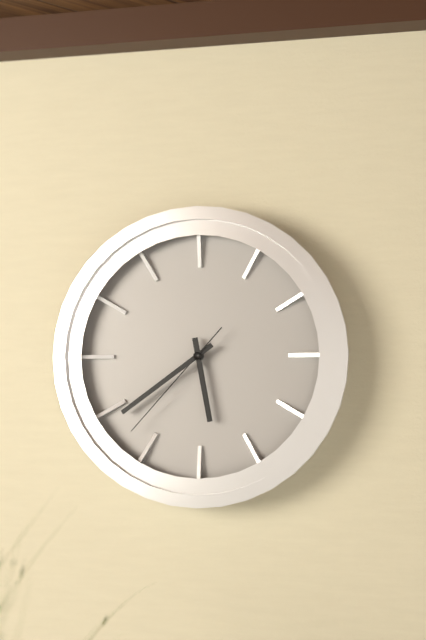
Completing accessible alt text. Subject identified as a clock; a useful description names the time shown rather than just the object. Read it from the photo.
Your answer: 5:39:37
